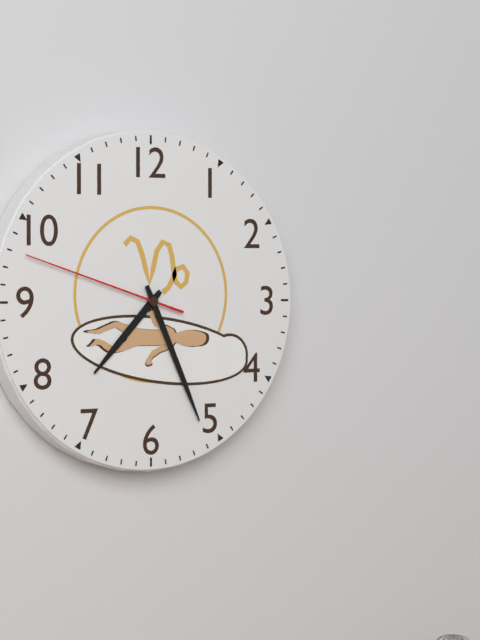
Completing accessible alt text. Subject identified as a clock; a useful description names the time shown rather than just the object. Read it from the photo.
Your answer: 7:26:48
